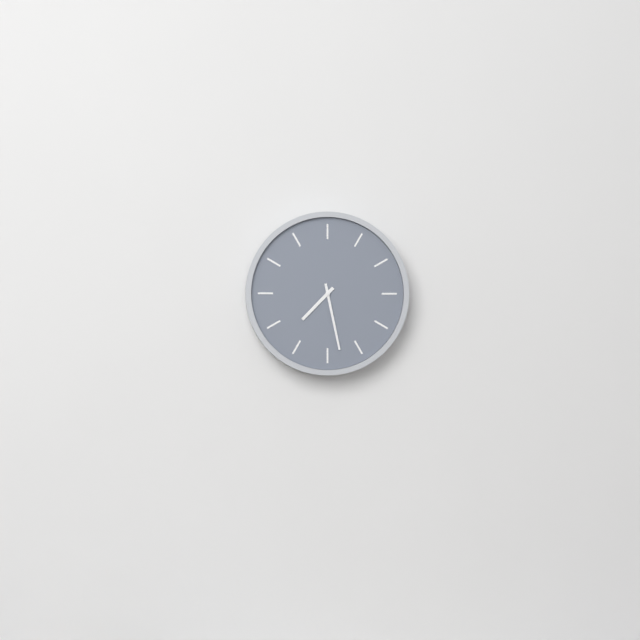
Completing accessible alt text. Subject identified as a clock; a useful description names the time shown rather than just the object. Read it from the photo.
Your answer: 7:28
